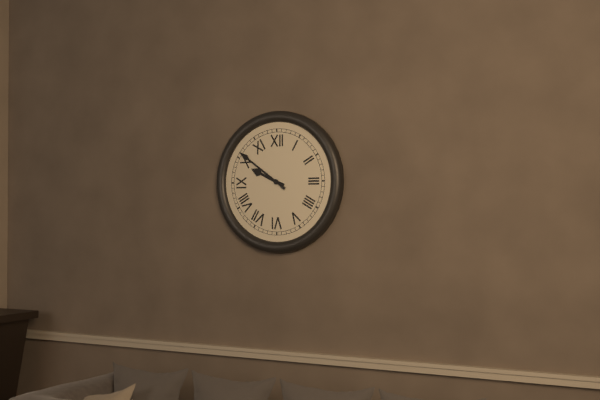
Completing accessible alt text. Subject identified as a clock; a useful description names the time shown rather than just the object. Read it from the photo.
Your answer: 9:51
